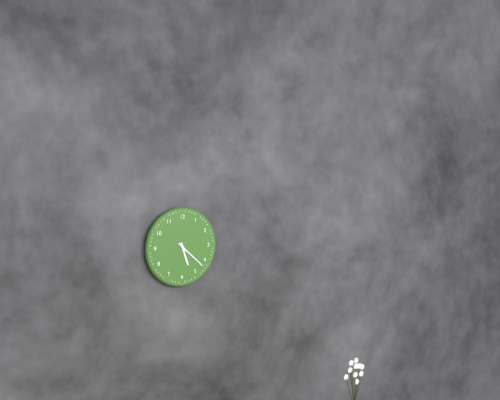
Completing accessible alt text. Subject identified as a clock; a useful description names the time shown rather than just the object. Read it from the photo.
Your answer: 5:22
